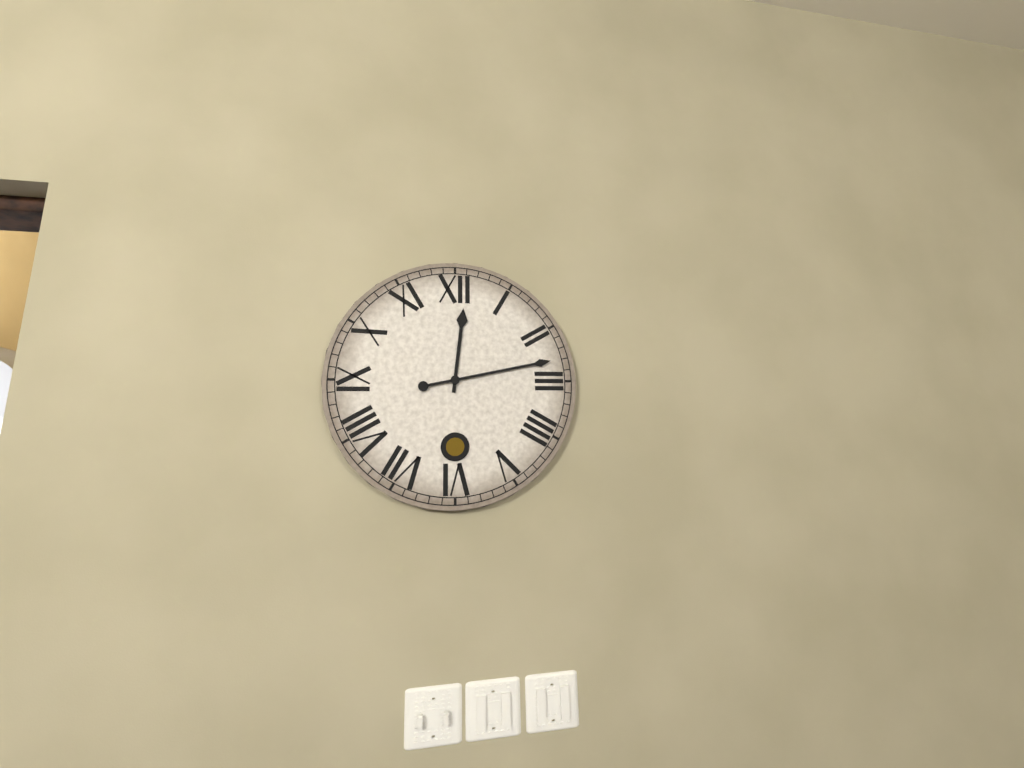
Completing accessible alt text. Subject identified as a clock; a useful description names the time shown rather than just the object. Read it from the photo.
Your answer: 12:13
